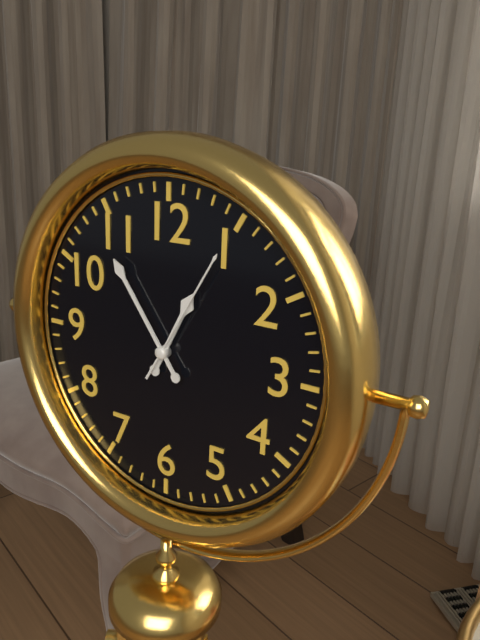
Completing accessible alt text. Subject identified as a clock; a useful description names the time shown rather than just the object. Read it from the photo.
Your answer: 12:54:05
